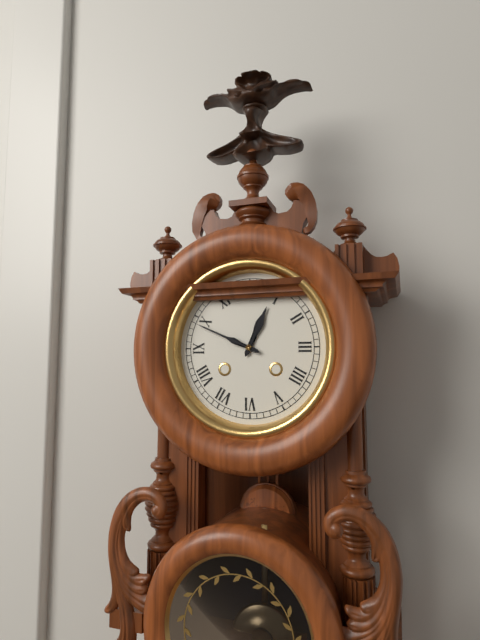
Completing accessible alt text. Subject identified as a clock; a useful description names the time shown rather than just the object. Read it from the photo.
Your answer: 12:49
